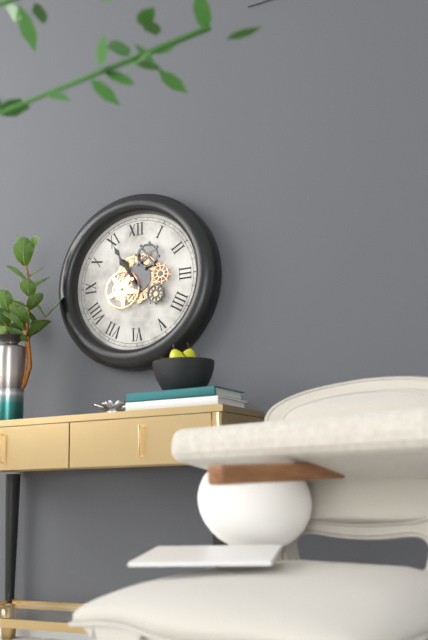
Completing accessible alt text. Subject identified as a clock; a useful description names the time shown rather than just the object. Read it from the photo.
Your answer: 10:55
